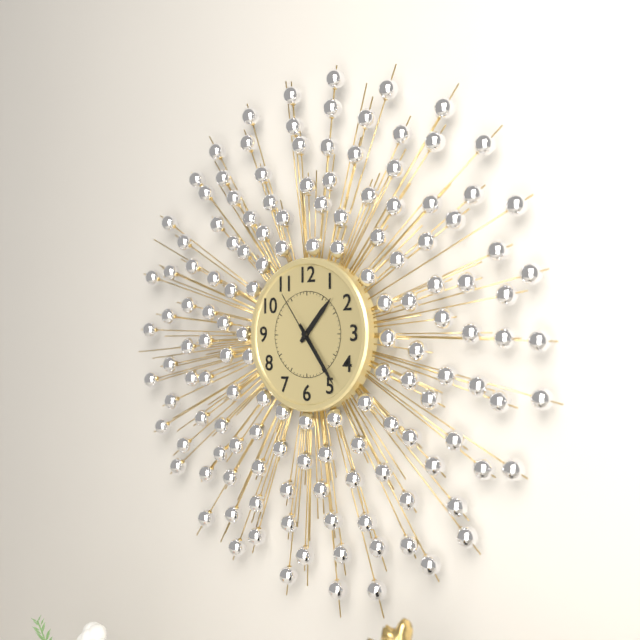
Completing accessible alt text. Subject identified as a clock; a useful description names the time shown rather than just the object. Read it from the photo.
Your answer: 1:24:54
